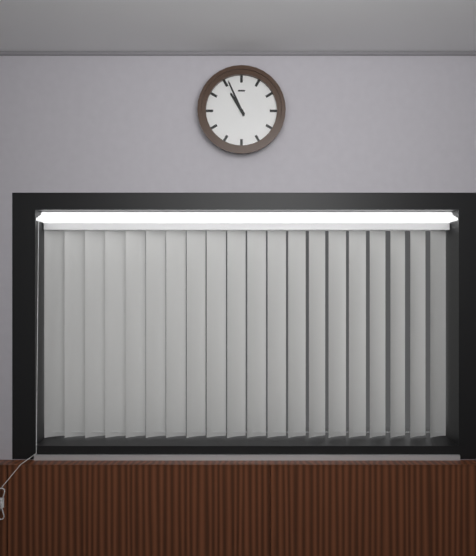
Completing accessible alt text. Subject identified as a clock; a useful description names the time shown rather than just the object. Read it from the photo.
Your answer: 10:56
